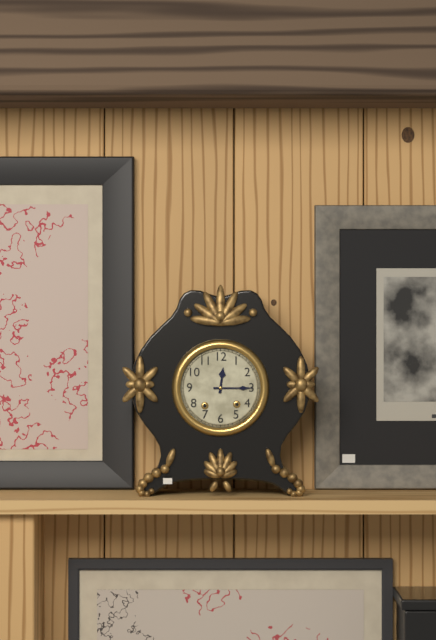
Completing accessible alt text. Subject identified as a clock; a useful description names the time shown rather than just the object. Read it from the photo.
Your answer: 12:15
